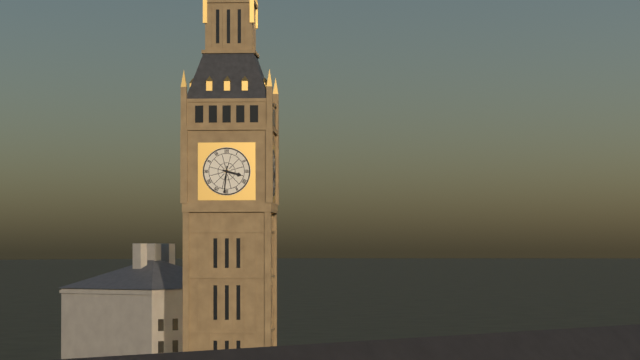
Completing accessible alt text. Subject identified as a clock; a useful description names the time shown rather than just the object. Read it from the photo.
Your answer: 3:31
